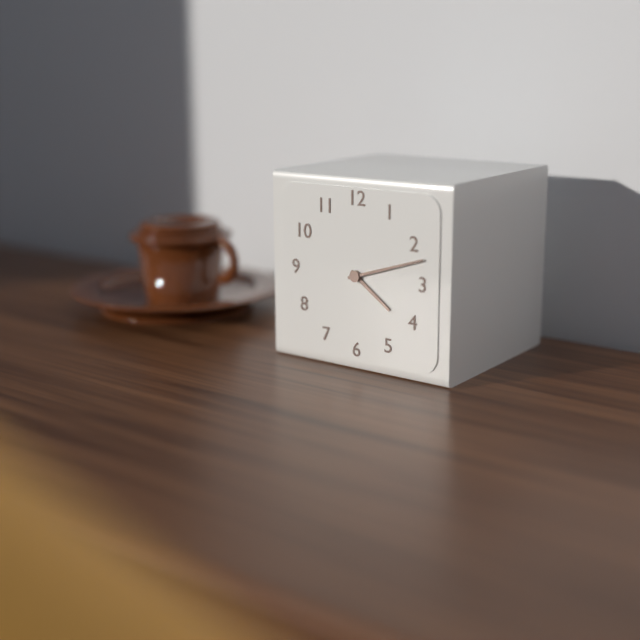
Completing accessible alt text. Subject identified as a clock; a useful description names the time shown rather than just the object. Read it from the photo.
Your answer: 4:12
